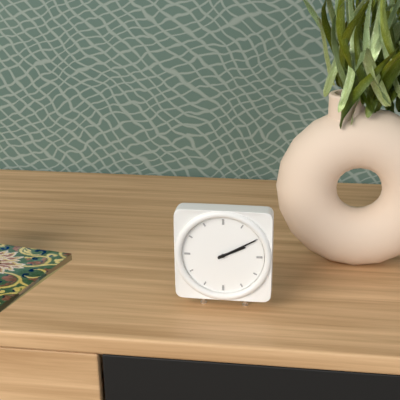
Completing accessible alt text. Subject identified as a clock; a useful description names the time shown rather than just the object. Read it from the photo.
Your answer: 2:10
